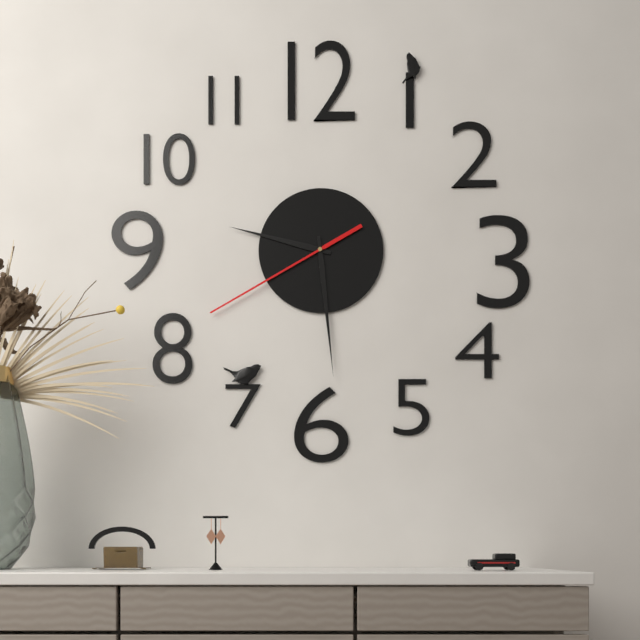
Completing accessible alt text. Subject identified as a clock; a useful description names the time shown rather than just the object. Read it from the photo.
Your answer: 9:29:40
